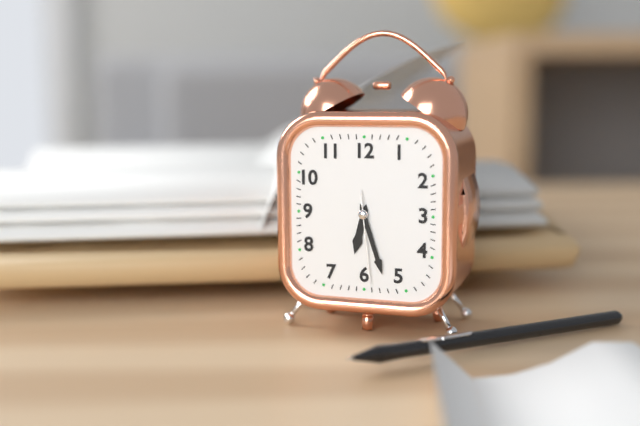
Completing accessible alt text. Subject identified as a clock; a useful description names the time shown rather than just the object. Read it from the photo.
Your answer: 6:27:29
